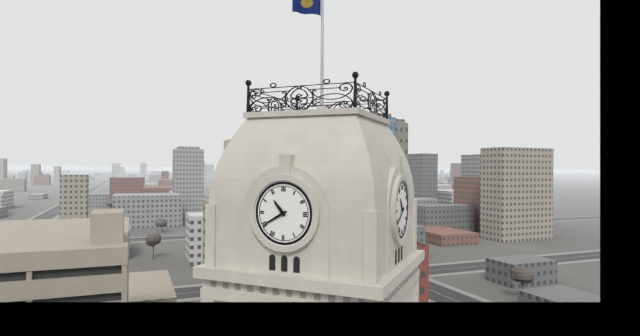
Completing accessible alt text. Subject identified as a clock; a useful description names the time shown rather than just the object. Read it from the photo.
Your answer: 10:40
